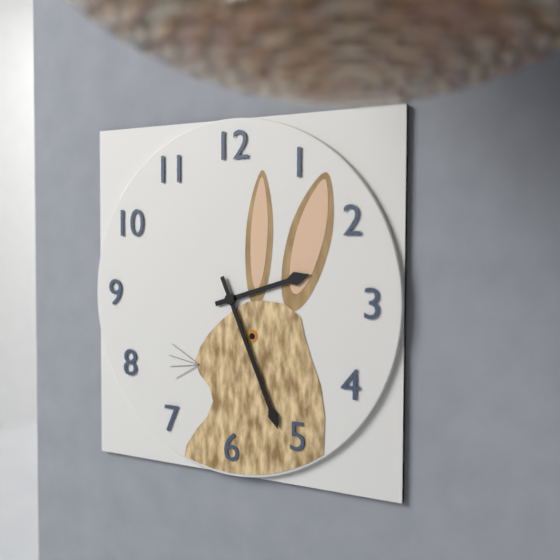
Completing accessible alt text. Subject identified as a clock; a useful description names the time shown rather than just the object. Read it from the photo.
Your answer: 2:26
